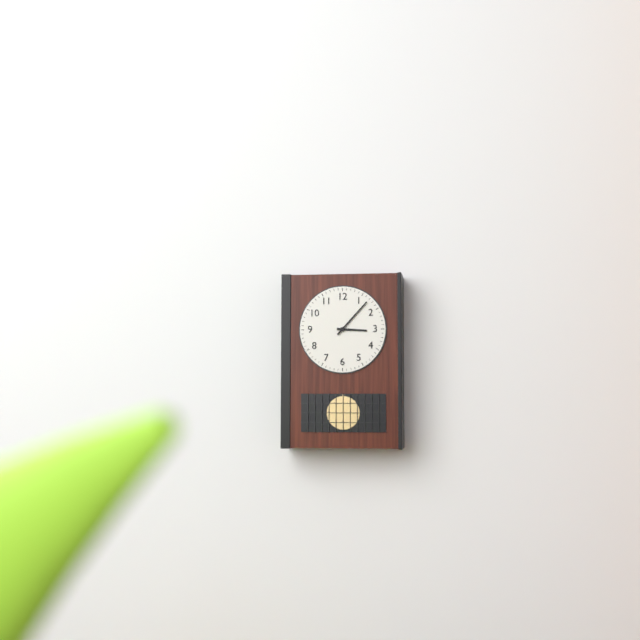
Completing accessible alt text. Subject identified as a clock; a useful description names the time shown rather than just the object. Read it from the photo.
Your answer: 3:07
